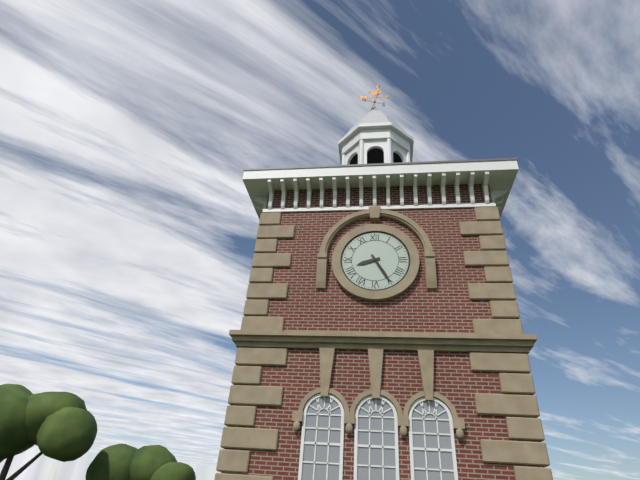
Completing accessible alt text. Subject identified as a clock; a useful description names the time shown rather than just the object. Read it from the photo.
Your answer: 8:25
